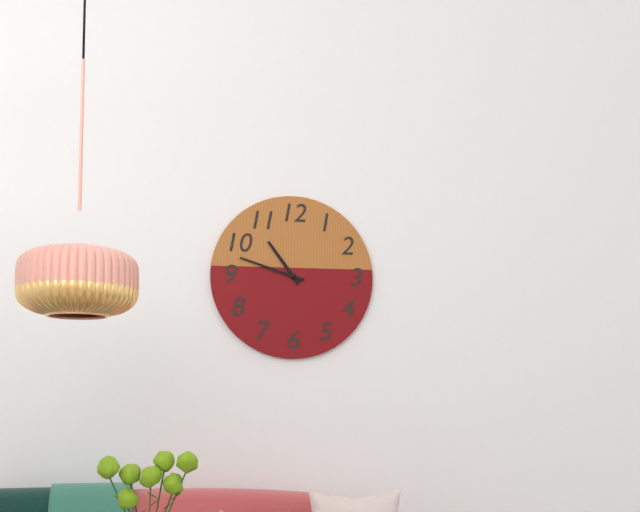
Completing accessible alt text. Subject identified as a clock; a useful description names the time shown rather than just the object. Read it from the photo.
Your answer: 10:48
